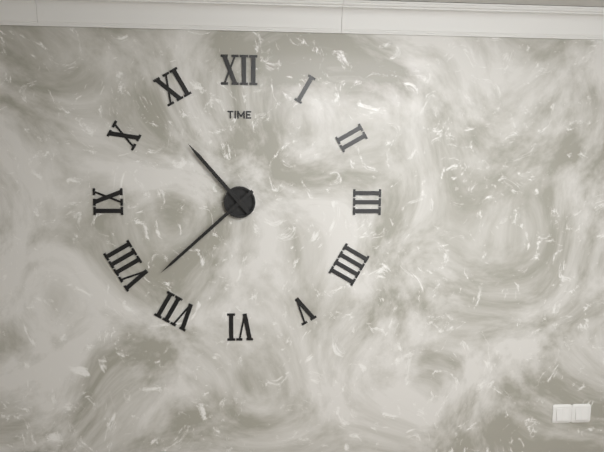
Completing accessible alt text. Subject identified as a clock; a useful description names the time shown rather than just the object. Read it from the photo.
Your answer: 10:38
